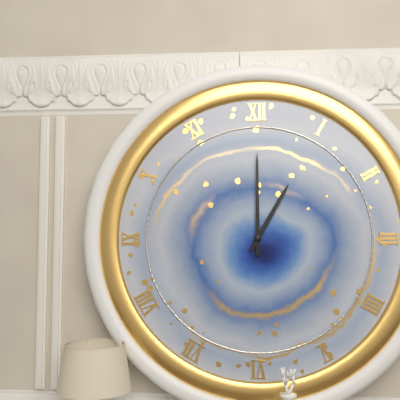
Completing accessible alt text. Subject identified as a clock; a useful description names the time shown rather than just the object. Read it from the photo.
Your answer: 1:00
